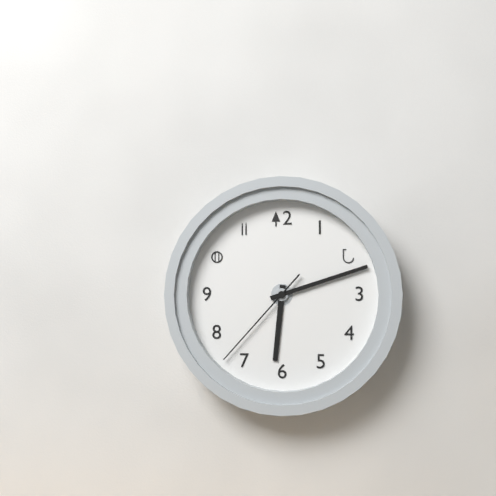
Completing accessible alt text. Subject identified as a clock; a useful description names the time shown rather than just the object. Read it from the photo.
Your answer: 6:12:37
